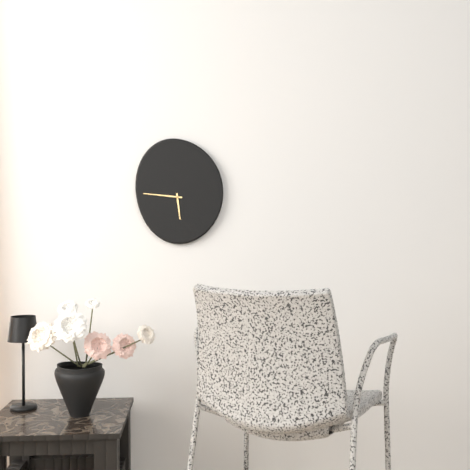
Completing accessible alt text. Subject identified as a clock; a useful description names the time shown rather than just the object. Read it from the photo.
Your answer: 5:46
